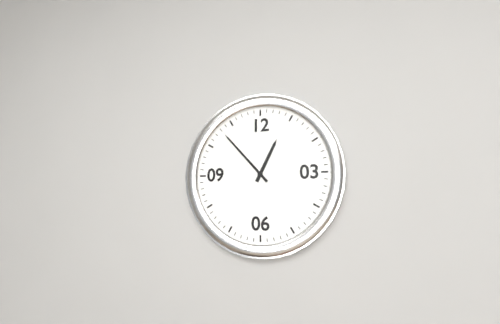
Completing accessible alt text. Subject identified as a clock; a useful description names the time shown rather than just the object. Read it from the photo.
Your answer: 12:53
